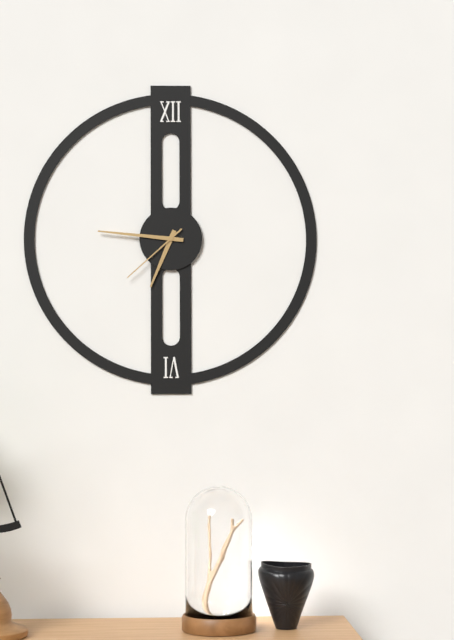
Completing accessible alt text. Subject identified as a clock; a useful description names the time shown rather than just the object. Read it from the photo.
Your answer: 6:46:38
